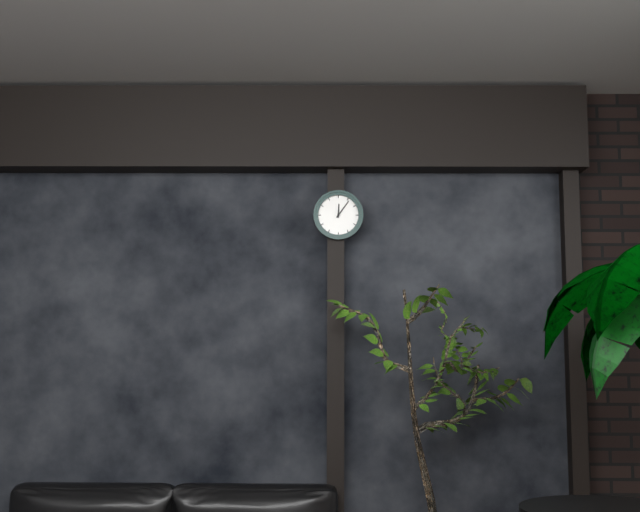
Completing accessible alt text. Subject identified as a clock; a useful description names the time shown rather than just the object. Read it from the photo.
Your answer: 12:06
